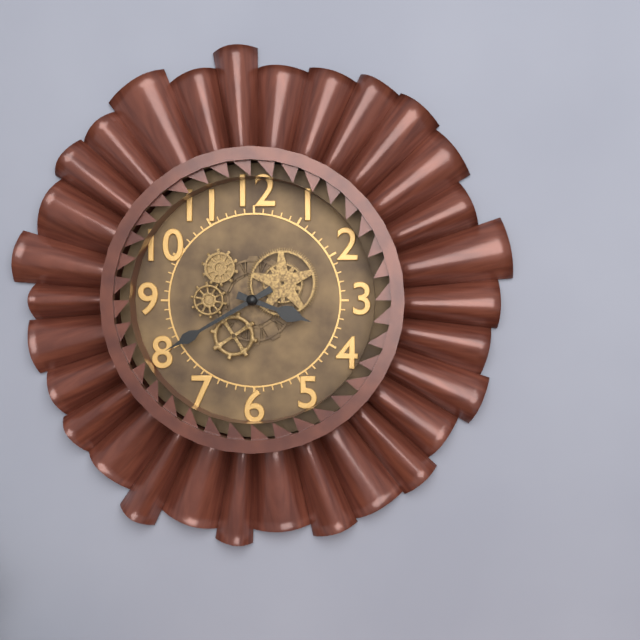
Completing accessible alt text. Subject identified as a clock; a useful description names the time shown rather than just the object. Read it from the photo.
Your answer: 3:40
